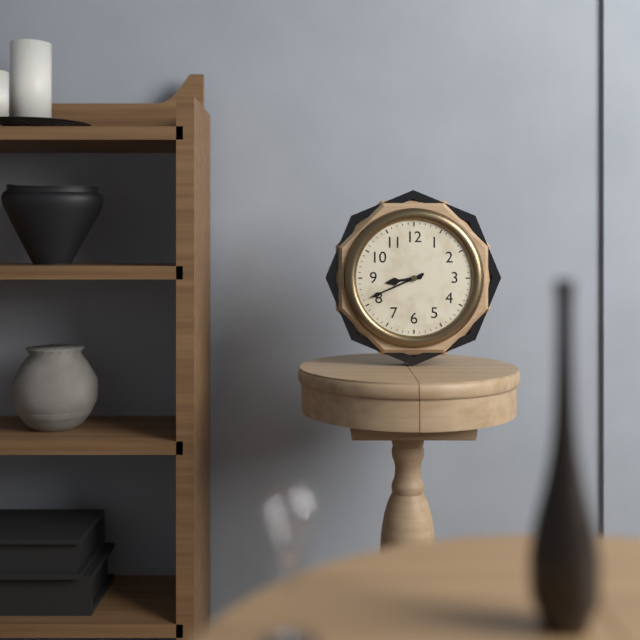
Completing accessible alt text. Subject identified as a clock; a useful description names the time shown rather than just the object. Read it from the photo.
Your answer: 8:41
